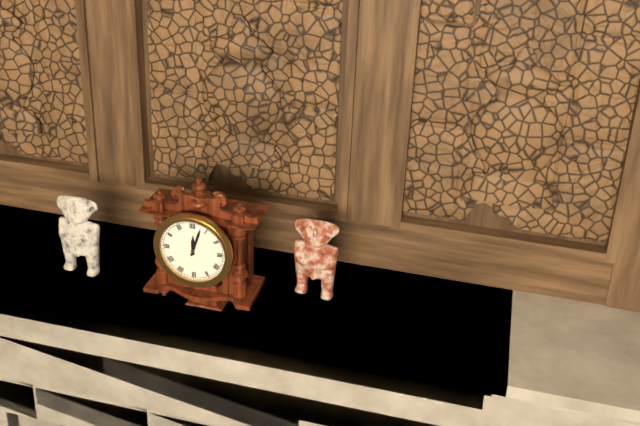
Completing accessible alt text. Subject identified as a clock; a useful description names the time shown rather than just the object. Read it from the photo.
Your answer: 12:03
